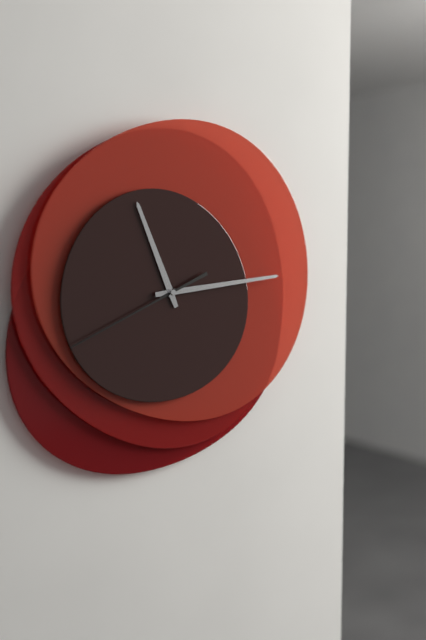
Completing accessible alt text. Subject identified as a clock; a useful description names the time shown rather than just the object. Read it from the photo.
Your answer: 11:14:41
